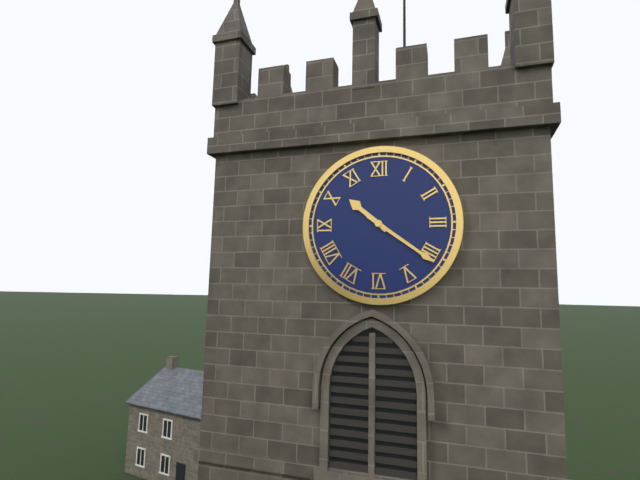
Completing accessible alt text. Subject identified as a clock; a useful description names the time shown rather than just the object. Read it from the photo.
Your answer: 10:21
